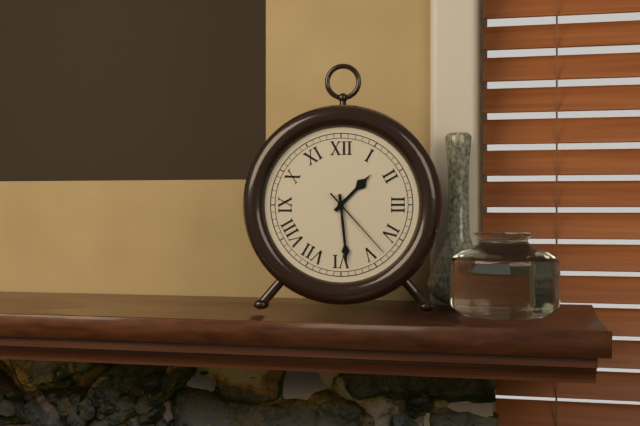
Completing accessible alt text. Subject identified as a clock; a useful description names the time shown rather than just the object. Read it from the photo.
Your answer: 1:29:23
